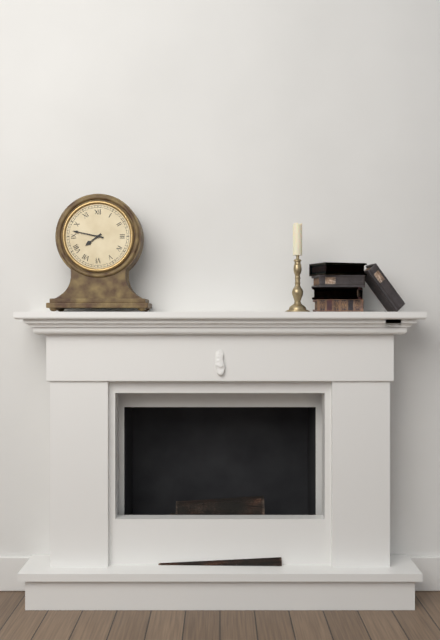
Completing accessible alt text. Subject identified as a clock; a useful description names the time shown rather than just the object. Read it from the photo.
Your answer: 7:47
